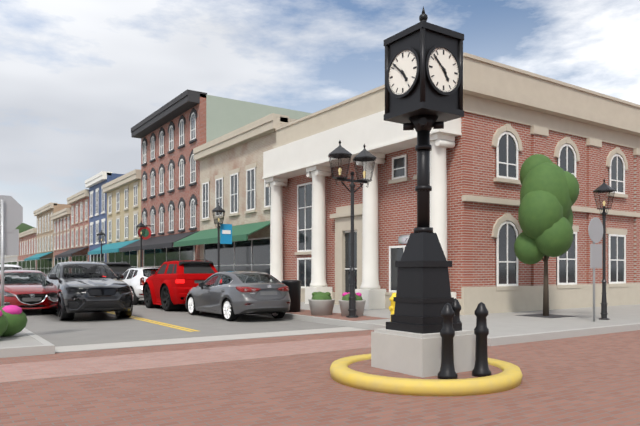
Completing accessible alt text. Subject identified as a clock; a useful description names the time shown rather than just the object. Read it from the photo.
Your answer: 4:52
